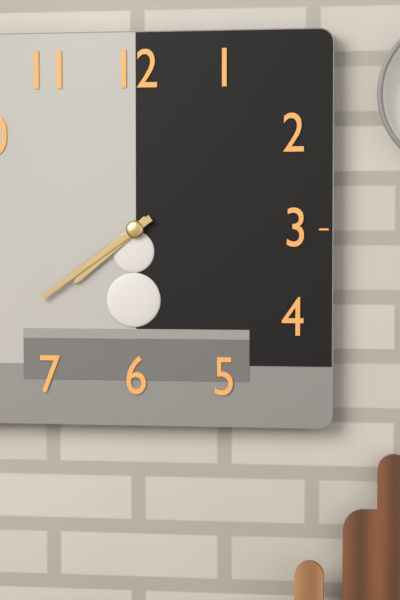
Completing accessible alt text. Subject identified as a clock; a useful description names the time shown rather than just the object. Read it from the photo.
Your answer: 7:39
